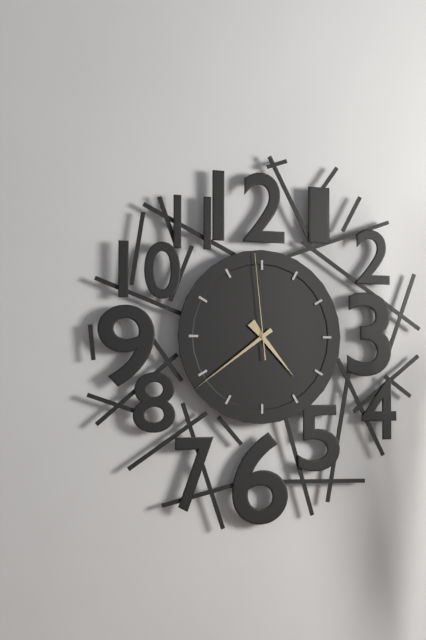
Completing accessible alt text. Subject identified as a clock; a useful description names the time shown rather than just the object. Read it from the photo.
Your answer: 4:39:59
